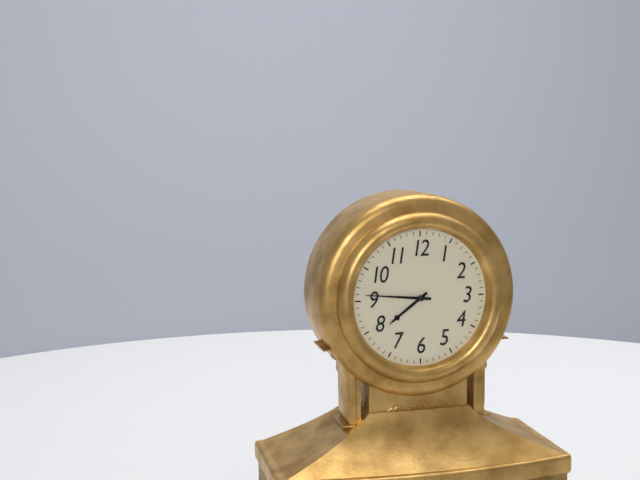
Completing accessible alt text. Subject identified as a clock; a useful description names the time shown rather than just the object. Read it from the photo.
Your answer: 7:46
